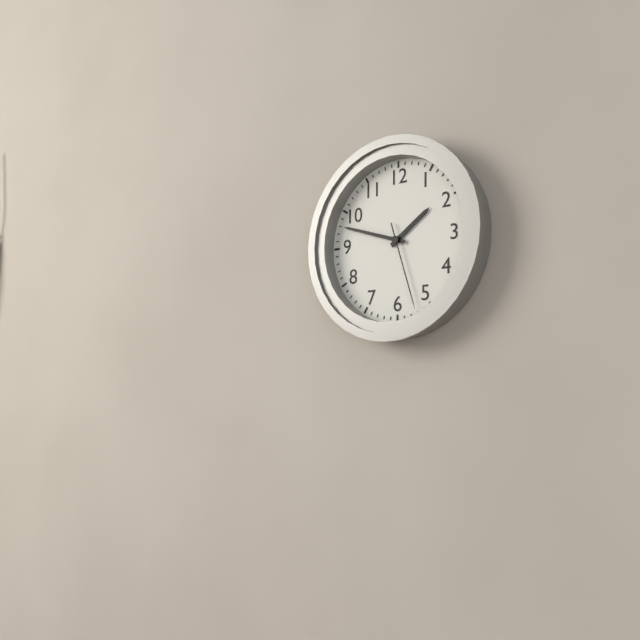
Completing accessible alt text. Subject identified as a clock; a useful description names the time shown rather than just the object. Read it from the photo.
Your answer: 1:48:27
